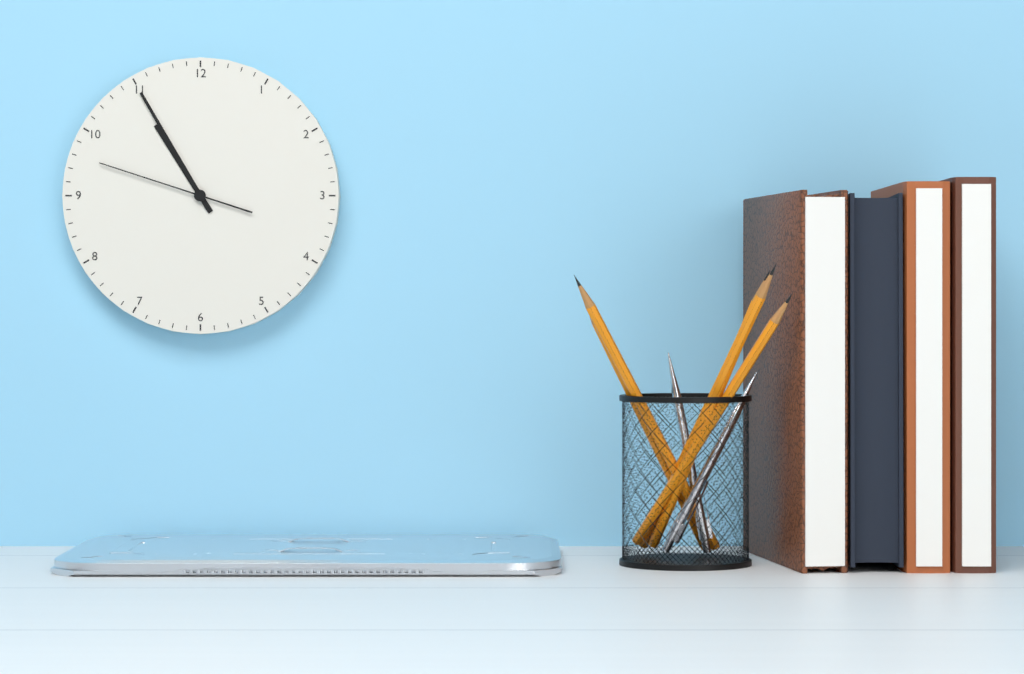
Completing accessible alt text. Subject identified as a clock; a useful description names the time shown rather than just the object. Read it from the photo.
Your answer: 10:55:48
